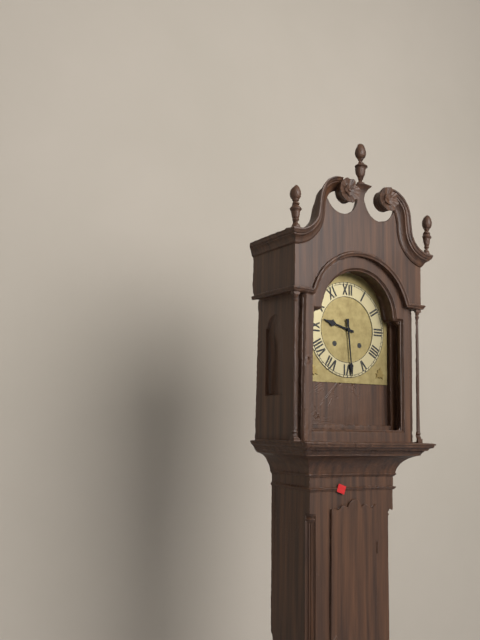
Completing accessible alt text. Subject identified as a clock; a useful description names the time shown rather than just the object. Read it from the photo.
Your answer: 9:29
